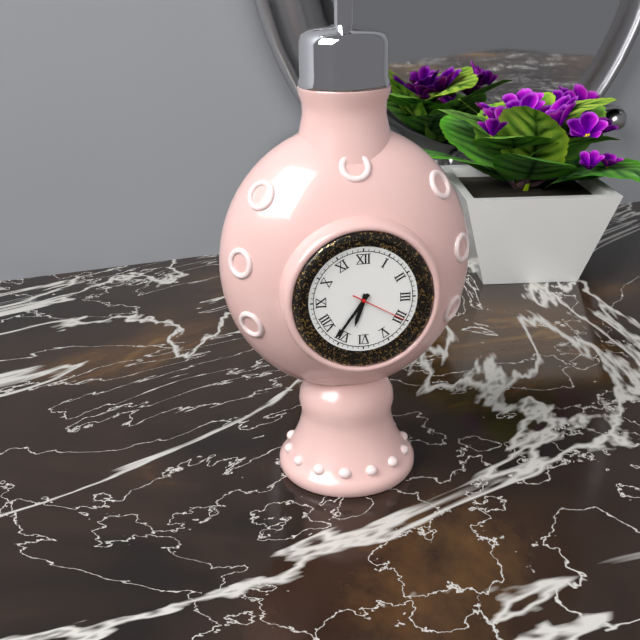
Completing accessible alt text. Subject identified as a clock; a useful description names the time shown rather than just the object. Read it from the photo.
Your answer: 6:36:20
